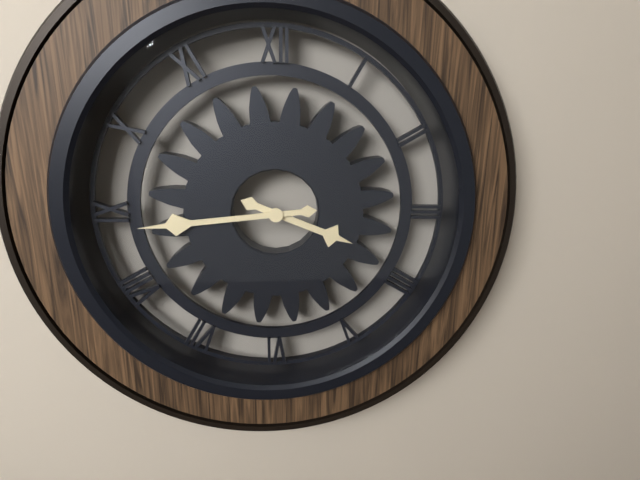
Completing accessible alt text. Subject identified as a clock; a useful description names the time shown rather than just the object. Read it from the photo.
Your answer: 3:44
